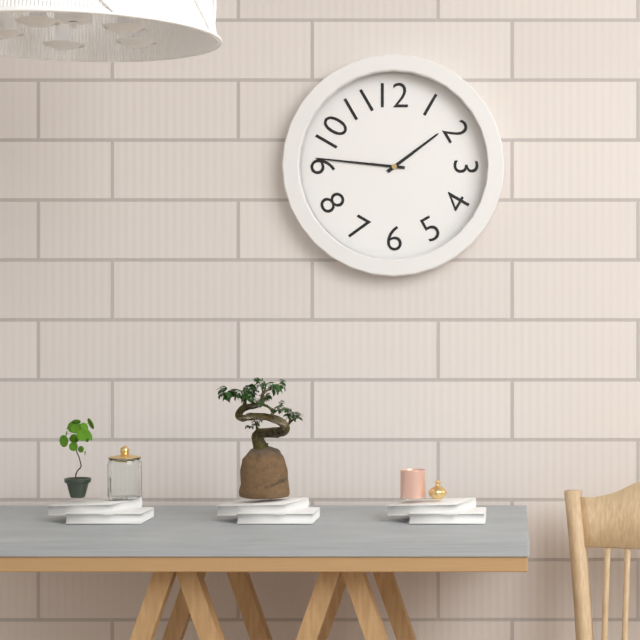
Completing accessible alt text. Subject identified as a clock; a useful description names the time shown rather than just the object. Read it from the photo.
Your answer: 1:46
